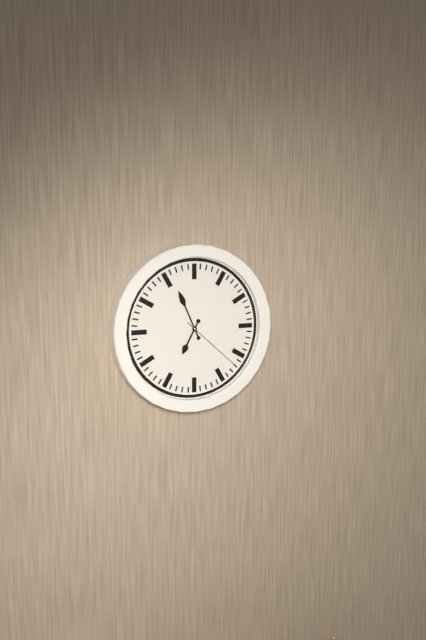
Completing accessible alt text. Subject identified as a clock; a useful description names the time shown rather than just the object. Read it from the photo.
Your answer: 6:56:22
